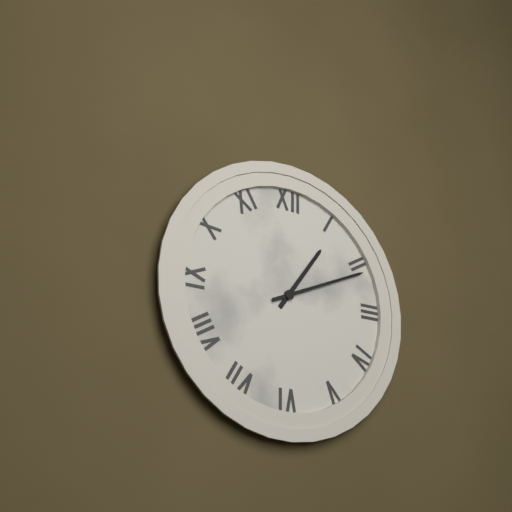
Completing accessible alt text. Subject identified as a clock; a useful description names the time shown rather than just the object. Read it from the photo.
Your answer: 1:11
